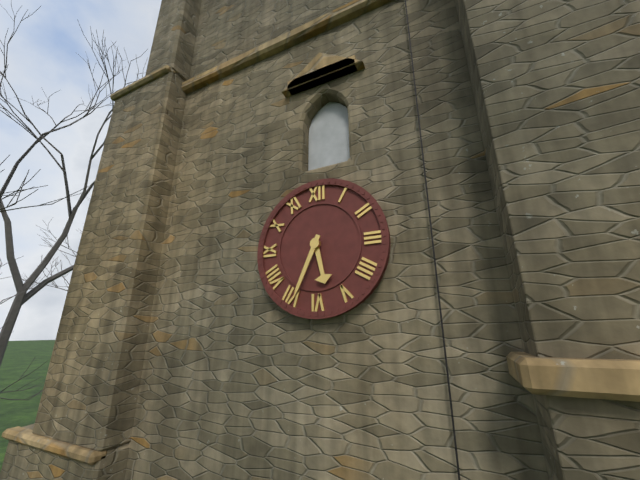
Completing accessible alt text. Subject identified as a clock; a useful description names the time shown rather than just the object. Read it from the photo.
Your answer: 5:34
